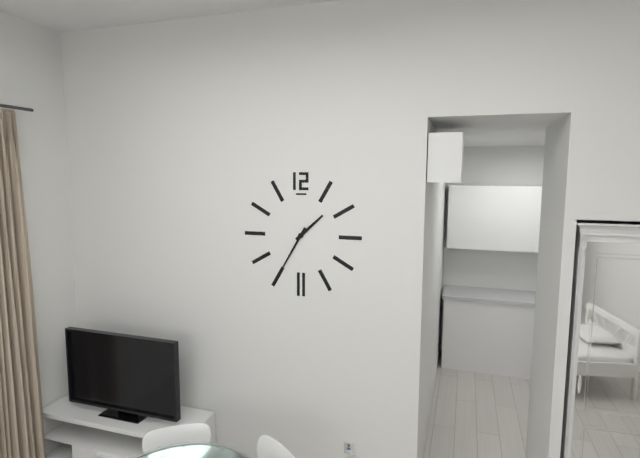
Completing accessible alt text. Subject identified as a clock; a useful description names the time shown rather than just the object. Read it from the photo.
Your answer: 1:35
